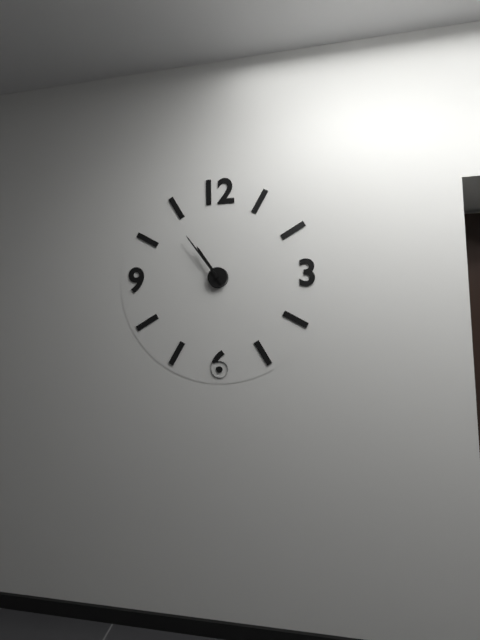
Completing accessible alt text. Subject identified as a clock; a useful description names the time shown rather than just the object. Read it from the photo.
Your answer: 10:54
